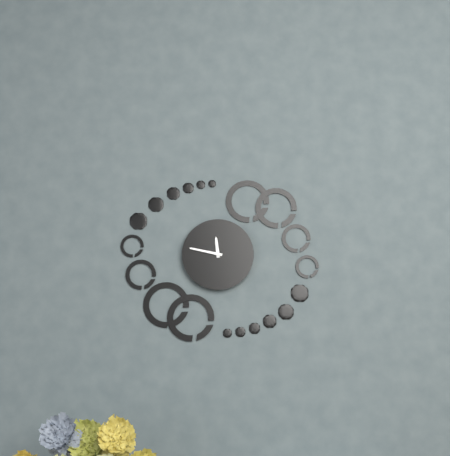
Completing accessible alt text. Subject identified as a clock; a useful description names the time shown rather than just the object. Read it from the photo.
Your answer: 11:47
